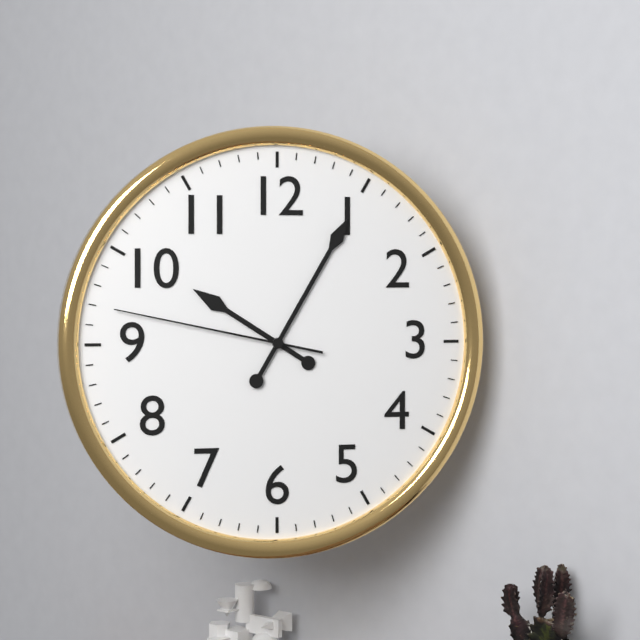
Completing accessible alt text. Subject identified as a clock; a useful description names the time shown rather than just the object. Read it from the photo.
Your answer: 10:05:47
